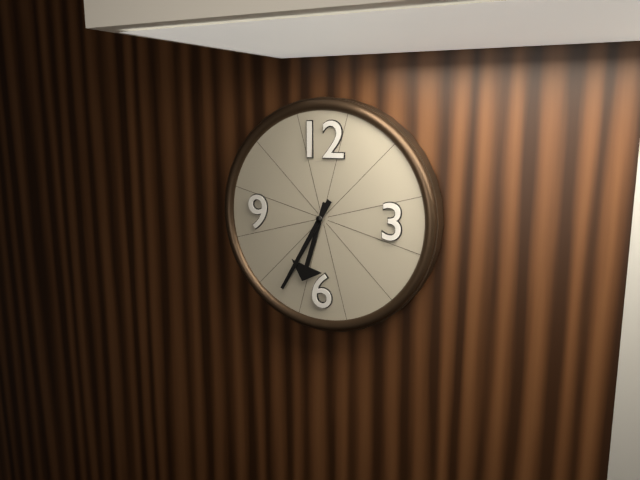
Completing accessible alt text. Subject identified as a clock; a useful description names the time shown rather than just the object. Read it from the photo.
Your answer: 6:35
